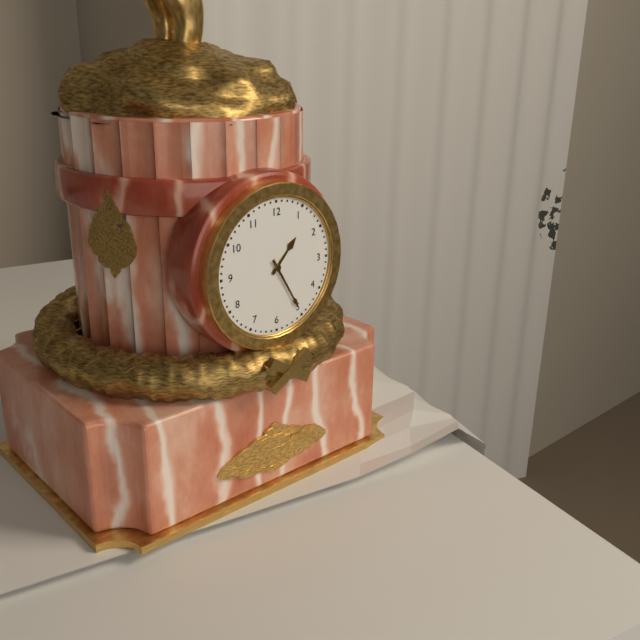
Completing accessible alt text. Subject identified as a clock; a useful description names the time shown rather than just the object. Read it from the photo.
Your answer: 1:25
